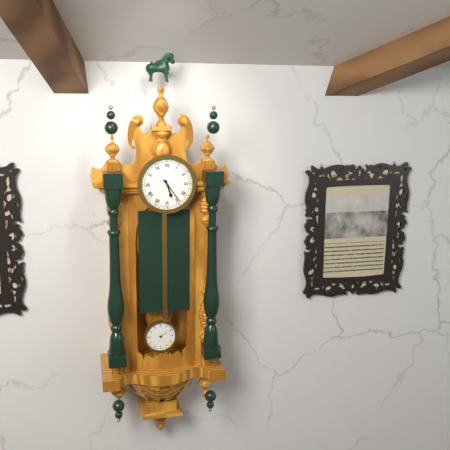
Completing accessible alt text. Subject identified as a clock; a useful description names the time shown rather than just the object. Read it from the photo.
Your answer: 5:24
